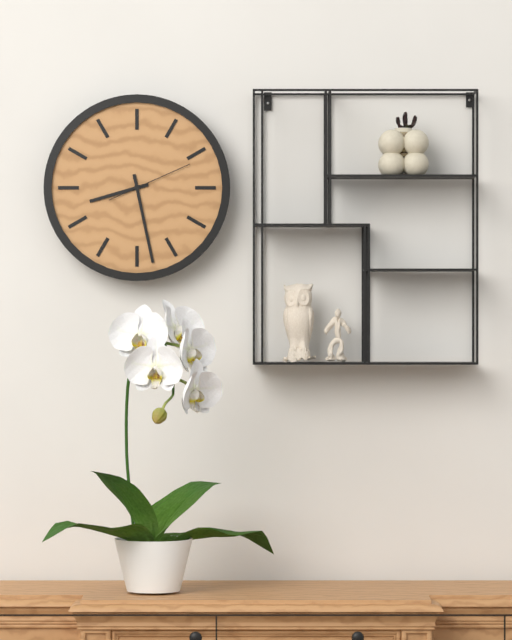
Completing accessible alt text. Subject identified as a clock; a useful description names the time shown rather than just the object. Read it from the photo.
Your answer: 8:28:11
